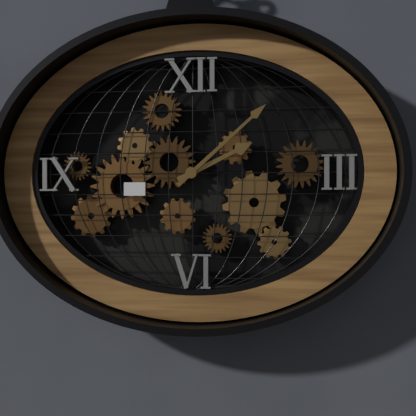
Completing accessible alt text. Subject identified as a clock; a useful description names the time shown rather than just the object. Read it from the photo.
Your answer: 2:08
